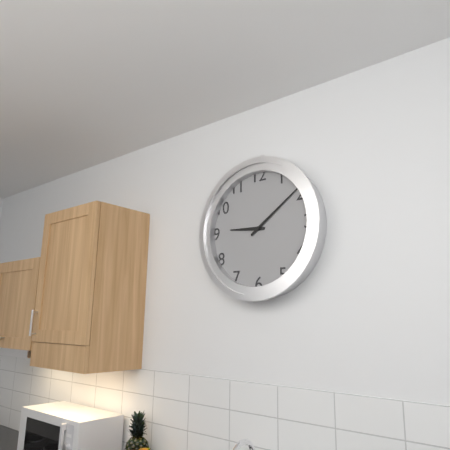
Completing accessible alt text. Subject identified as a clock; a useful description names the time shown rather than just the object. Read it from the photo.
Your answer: 9:09
